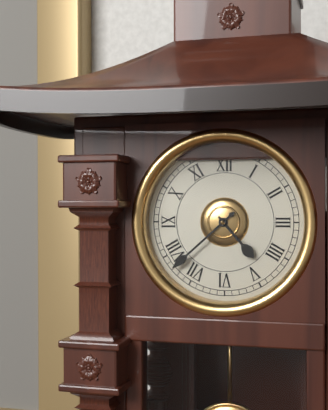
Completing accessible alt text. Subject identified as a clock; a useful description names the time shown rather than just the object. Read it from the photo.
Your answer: 4:38
